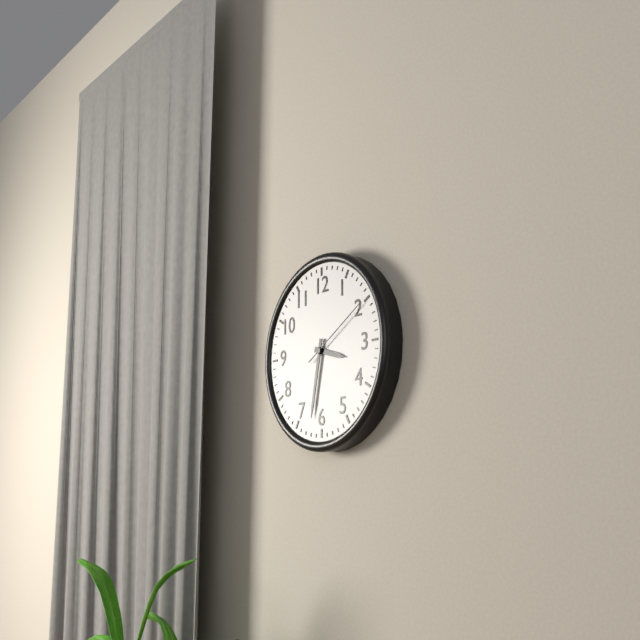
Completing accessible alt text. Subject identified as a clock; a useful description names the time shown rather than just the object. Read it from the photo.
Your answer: 3:32:10
